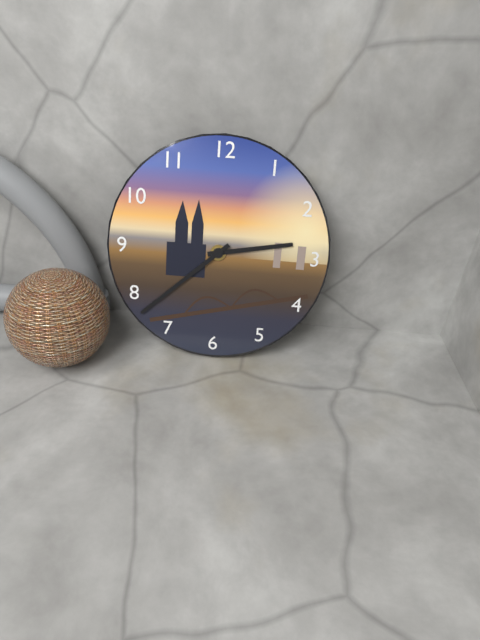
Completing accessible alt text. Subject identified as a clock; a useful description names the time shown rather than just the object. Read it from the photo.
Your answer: 2:38
